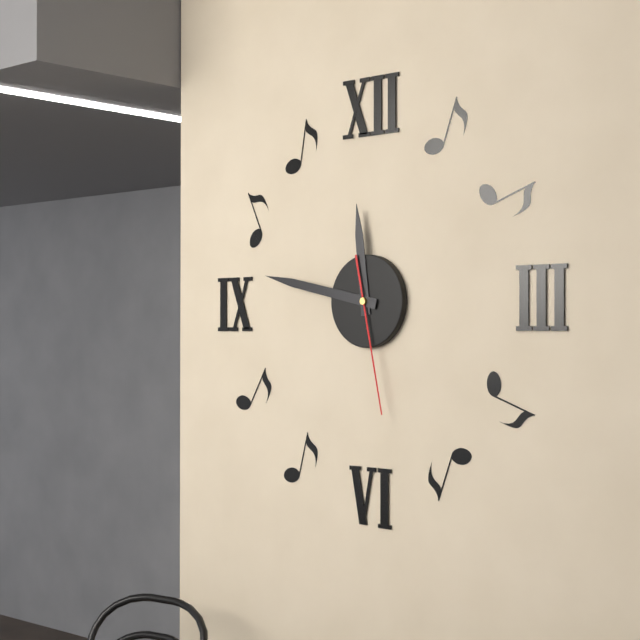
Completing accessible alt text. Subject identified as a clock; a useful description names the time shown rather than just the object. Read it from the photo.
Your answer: 11:47:28
